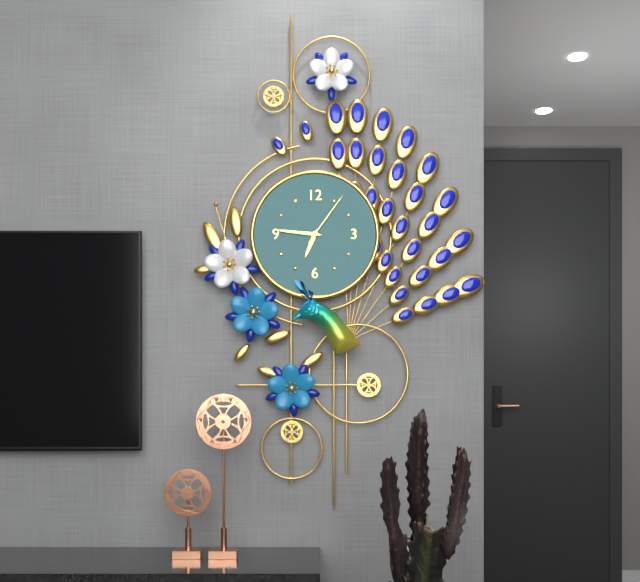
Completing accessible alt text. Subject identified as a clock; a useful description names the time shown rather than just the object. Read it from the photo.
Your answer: 6:46:06
